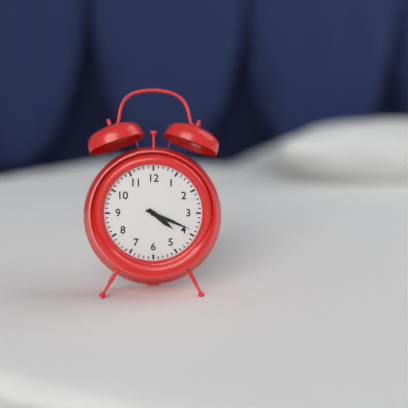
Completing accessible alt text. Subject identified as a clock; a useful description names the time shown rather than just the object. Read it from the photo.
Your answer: 4:19
